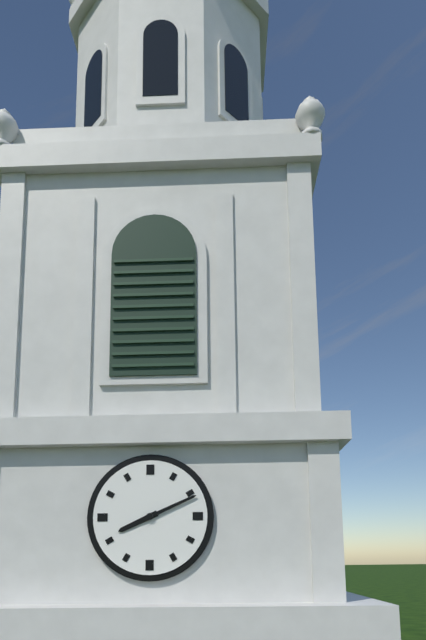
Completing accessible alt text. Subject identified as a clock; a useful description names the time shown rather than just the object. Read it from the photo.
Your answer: 8:11
